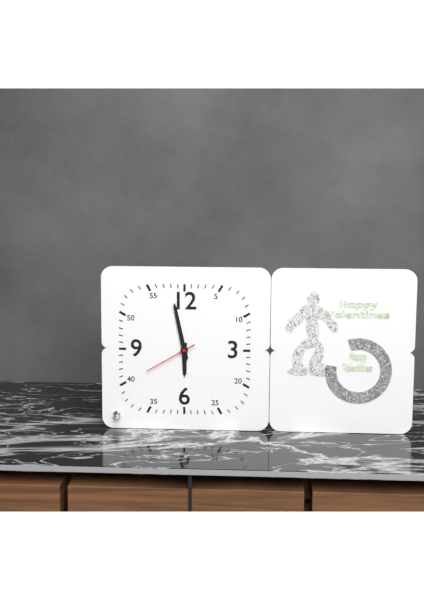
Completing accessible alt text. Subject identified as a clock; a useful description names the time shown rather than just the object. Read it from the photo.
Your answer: 5:58:40
